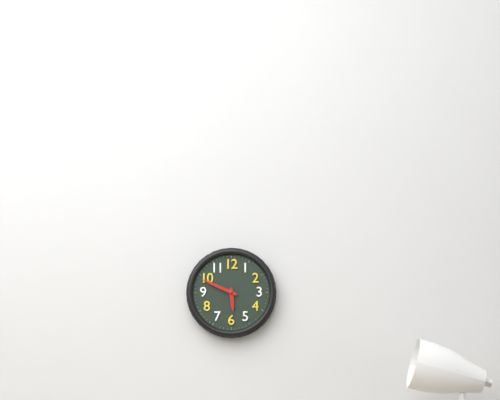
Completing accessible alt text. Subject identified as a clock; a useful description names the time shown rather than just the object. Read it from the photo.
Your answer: 5:49
